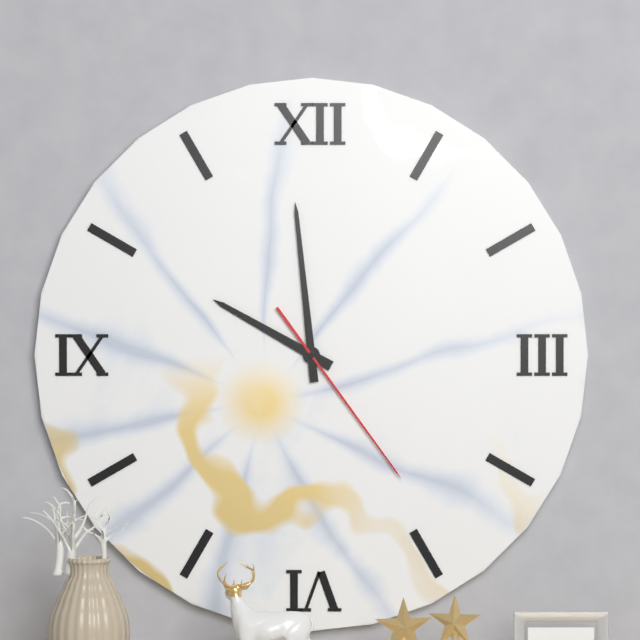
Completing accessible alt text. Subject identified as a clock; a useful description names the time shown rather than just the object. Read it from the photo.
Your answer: 9:59:24
